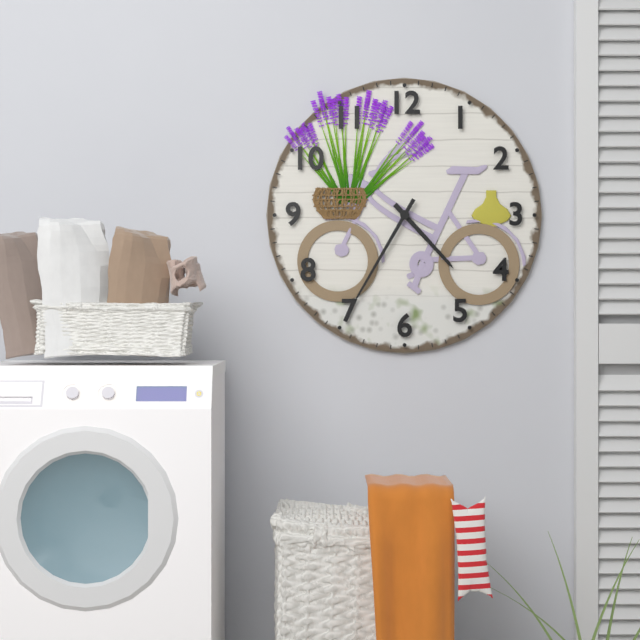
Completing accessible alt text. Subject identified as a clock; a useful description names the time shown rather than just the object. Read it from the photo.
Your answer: 4:35
